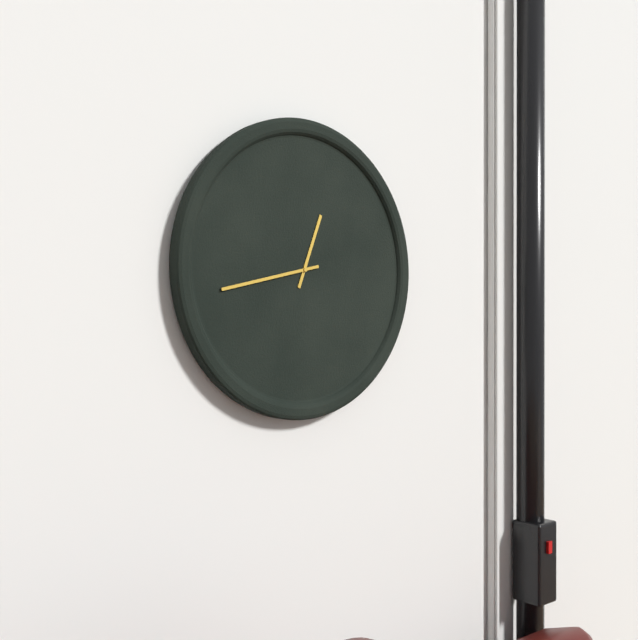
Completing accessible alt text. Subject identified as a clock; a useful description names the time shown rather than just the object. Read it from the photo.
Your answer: 12:43
